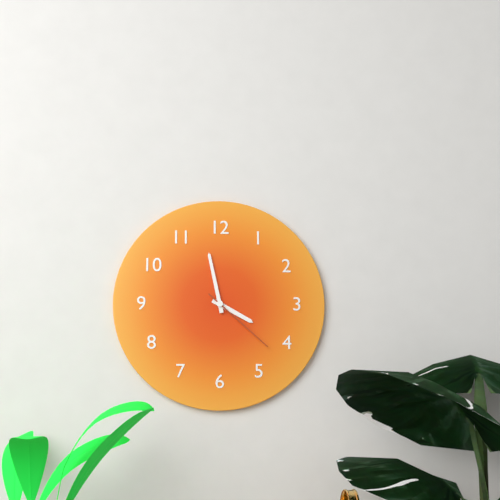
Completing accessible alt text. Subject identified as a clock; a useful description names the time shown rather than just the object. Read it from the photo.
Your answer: 3:58:22
